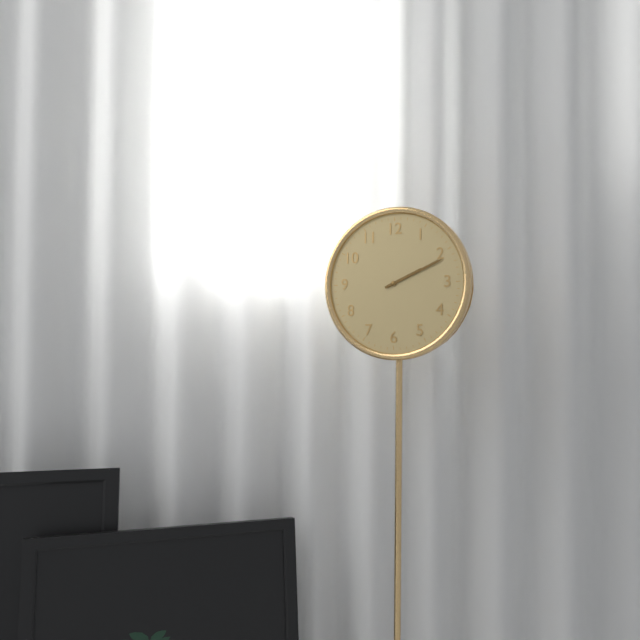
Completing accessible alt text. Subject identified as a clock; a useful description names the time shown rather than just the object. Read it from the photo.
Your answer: 2:11
